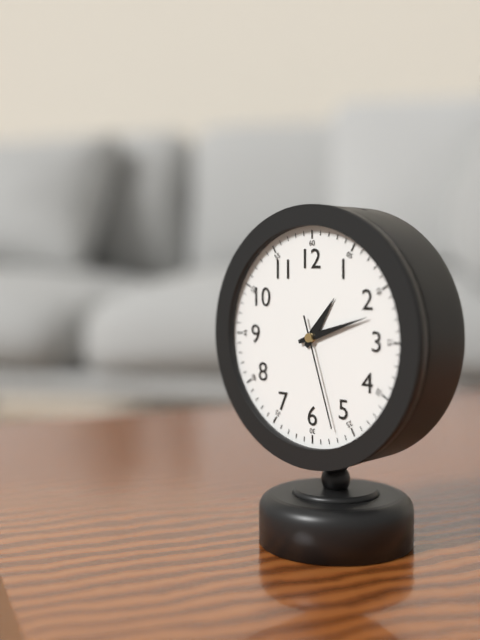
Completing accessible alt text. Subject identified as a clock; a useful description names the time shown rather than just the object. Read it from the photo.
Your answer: 1:12:27
